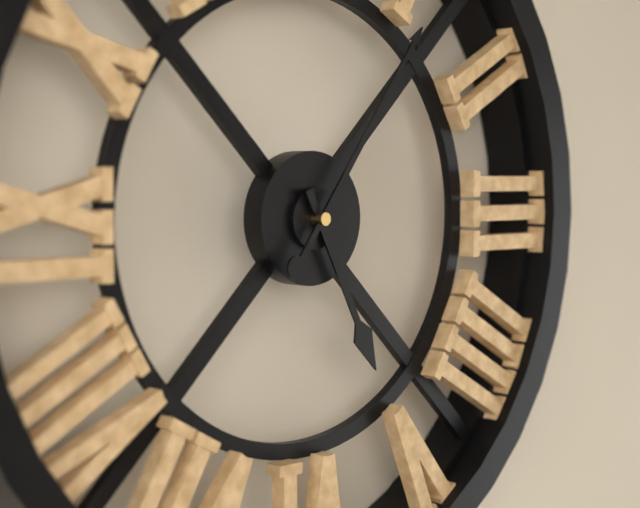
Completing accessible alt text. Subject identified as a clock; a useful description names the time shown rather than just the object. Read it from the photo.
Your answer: 5:06
